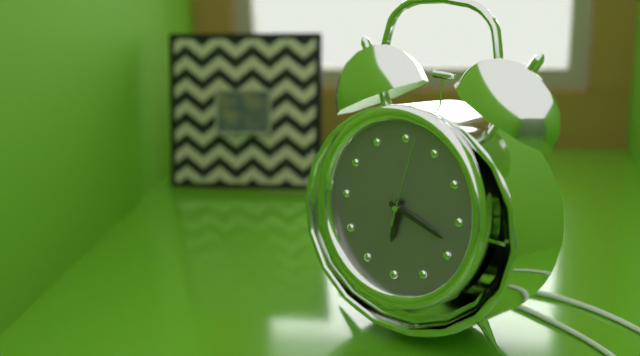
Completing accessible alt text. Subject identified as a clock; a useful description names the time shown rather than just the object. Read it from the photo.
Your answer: 6:18:02
